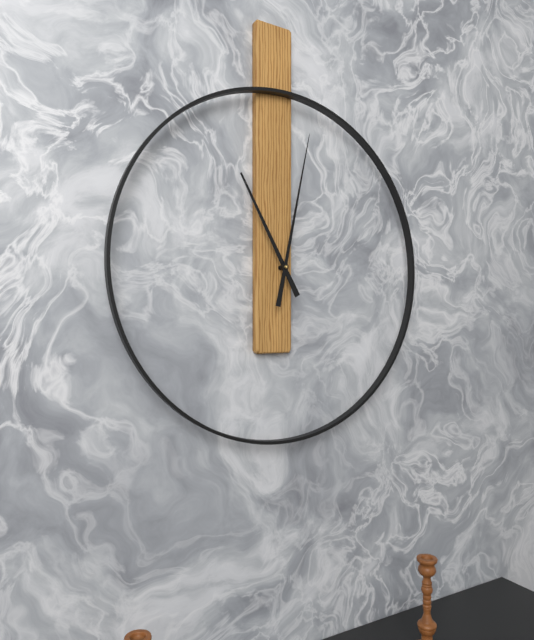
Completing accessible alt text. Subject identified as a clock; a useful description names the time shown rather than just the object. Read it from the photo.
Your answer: 11:02
